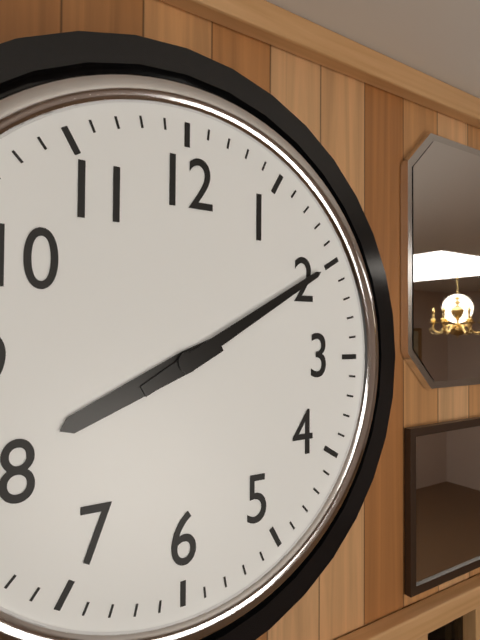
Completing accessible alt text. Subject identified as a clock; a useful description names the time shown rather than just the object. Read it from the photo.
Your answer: 8:10
